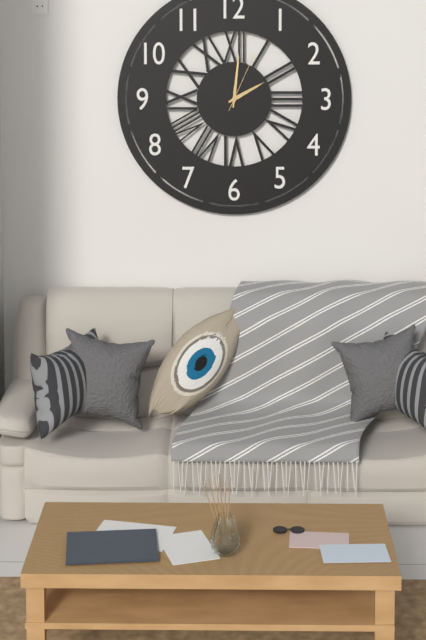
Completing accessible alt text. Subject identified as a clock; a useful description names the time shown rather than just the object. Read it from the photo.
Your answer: 2:01:04
